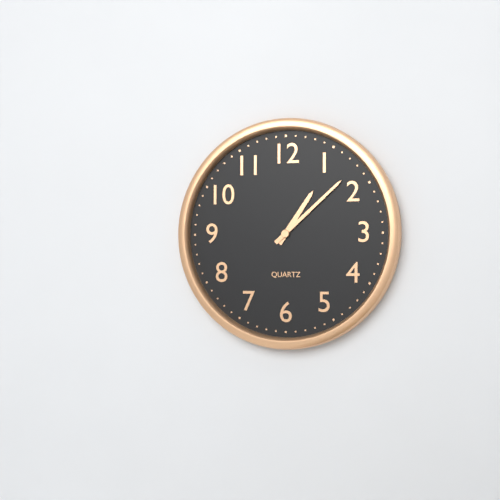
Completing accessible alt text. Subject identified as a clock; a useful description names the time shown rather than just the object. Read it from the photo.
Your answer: 1:08
